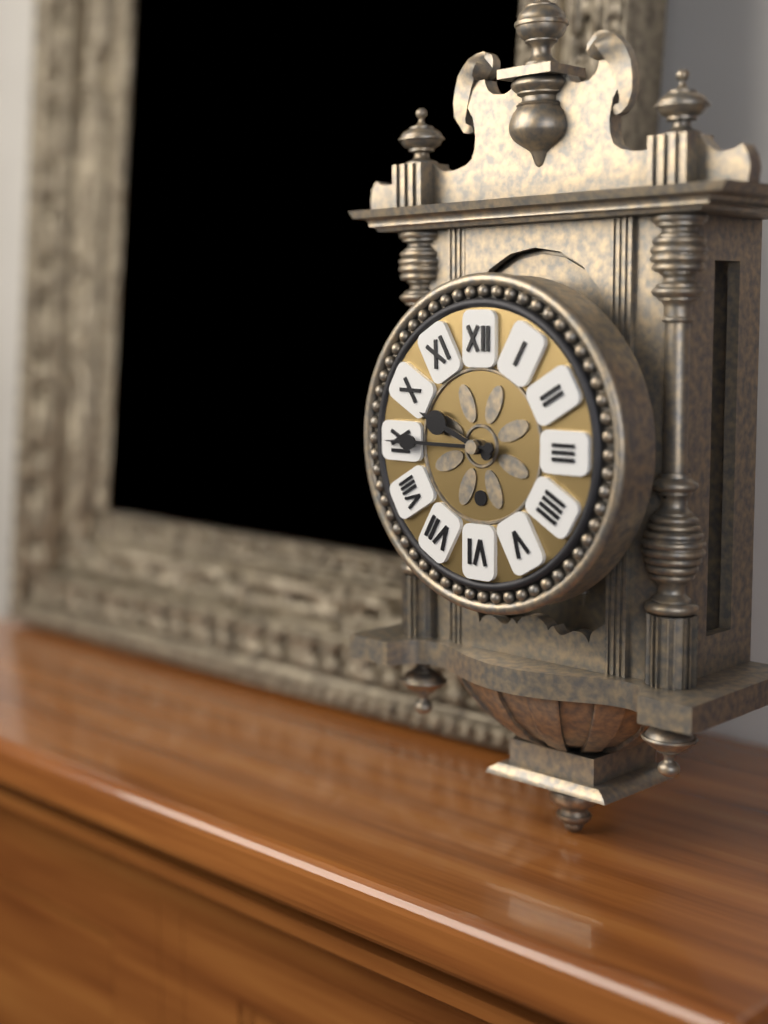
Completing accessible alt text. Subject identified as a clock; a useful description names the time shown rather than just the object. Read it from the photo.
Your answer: 9:45
